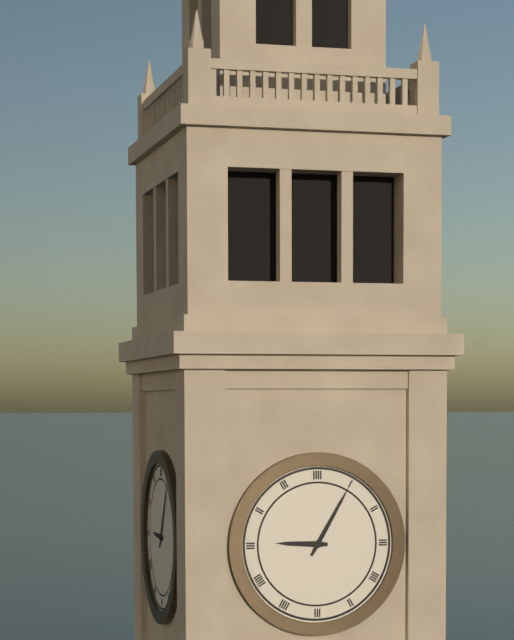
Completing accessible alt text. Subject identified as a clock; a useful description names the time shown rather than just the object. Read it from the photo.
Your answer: 9:05
